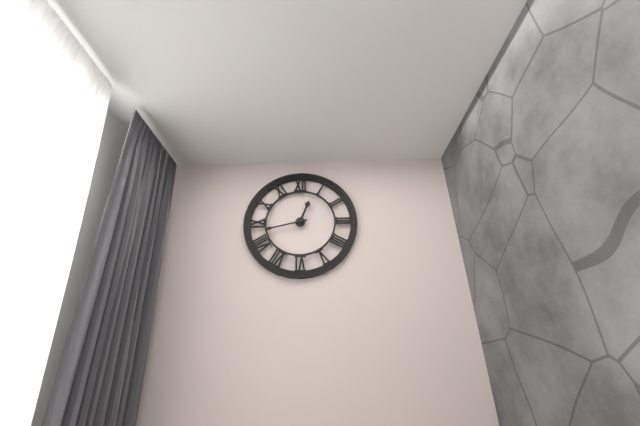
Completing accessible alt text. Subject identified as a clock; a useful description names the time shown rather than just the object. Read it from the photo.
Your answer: 12:43
